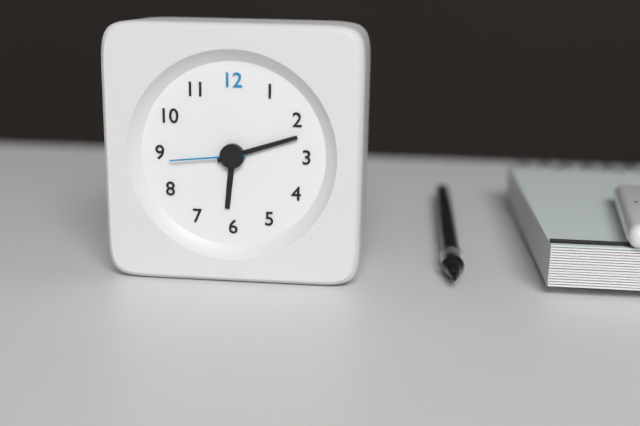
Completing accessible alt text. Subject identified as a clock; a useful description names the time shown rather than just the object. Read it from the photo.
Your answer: 6:12:44
